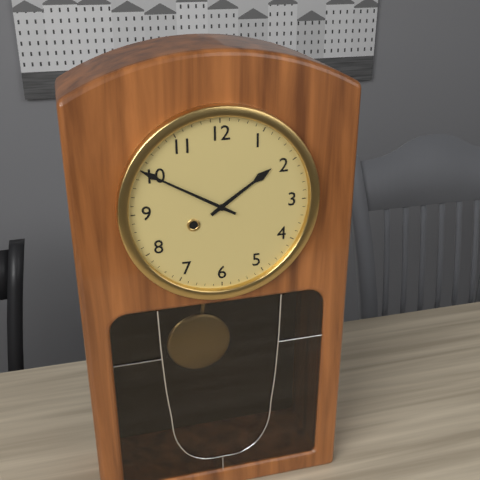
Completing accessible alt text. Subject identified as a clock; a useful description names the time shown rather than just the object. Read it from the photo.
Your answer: 1:50
